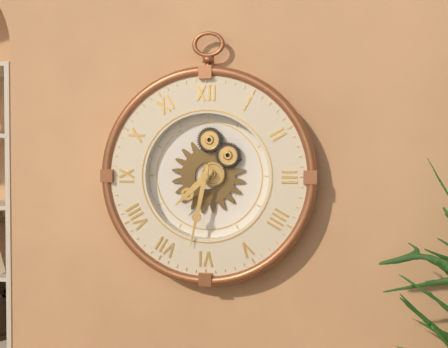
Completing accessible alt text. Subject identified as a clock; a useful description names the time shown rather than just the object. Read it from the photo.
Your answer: 7:32
